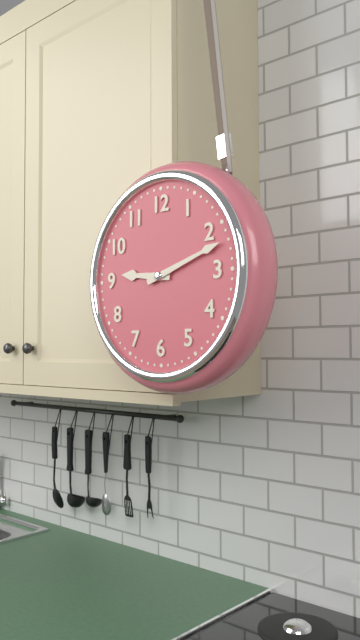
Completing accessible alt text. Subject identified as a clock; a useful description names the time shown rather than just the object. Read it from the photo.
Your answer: 9:12
